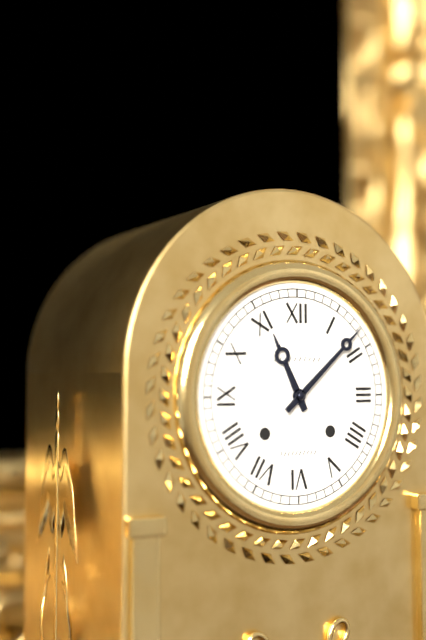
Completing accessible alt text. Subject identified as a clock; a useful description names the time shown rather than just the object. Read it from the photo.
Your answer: 11:08
